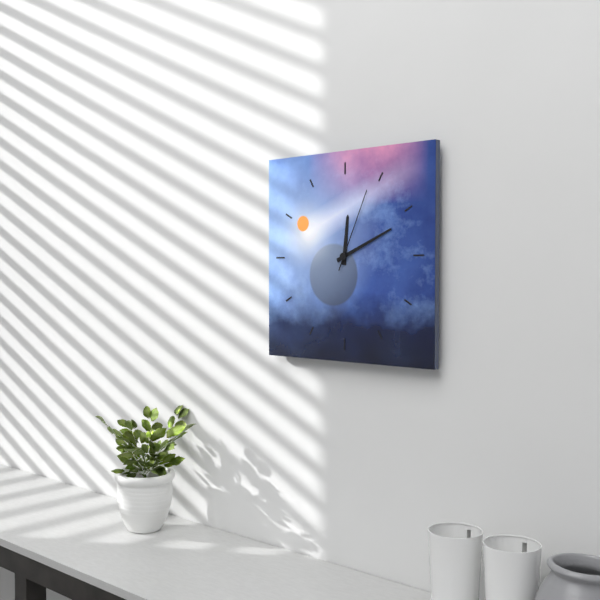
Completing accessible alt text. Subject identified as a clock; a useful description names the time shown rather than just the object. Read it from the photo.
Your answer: 12:11:04
